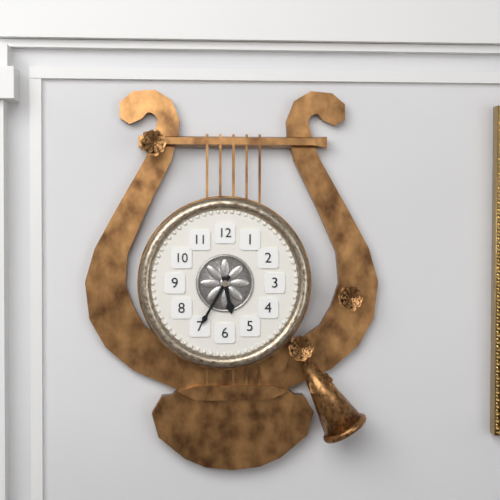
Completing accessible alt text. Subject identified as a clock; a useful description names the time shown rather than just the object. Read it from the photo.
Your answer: 5:35
